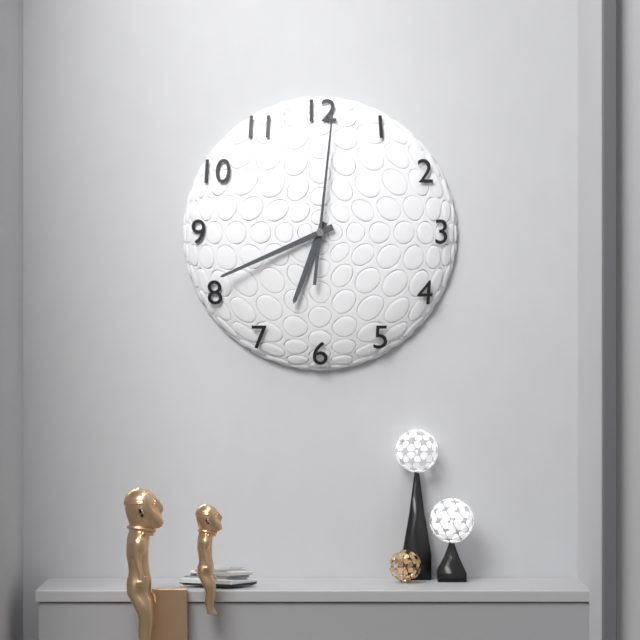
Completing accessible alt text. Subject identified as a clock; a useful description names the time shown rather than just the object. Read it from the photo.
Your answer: 6:41:01
